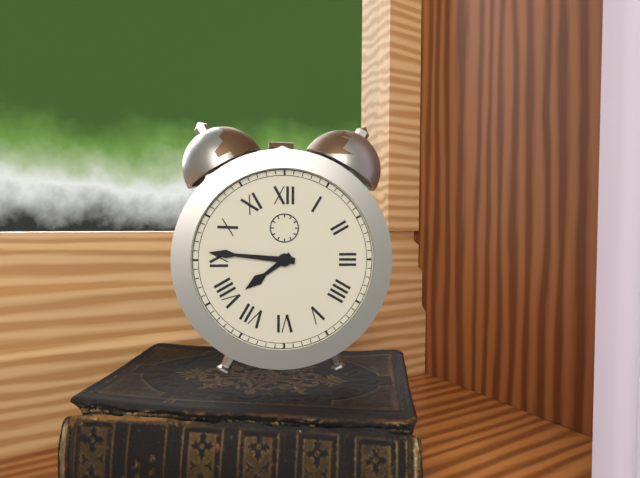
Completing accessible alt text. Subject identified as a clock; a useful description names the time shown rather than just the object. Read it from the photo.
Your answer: 7:46
